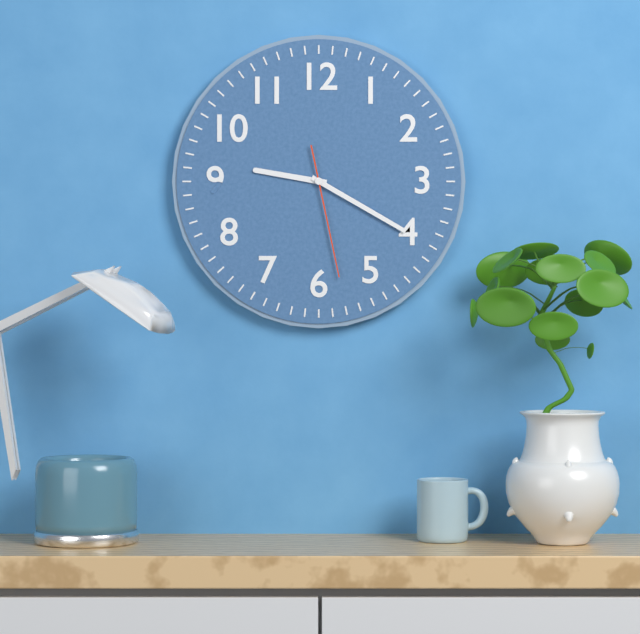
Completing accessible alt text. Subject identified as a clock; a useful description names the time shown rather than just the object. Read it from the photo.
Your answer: 9:20:28
